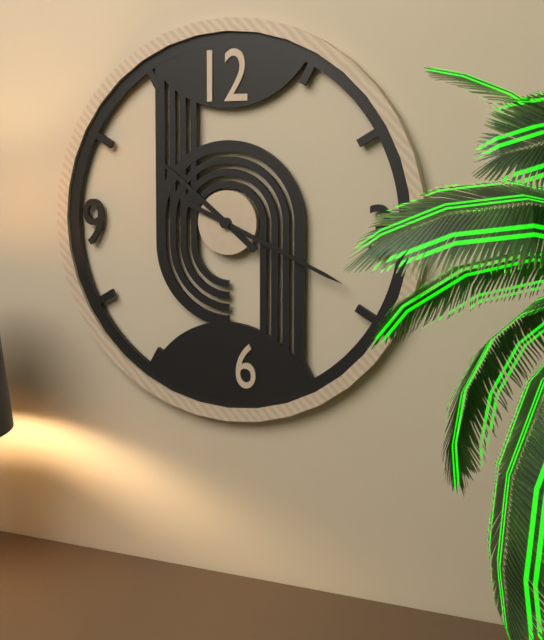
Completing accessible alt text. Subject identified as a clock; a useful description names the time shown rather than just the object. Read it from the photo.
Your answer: 10:19
